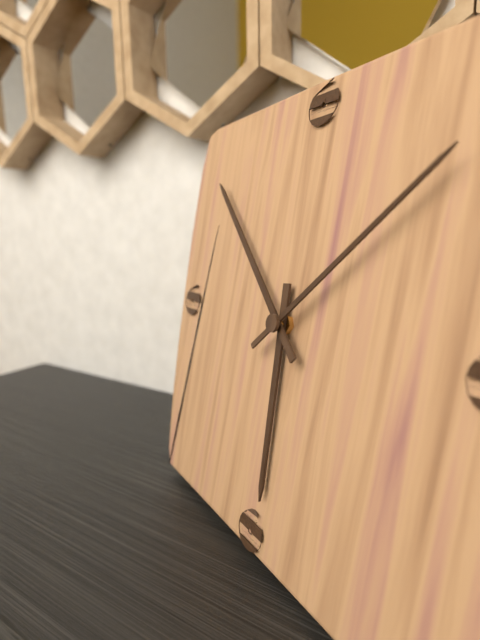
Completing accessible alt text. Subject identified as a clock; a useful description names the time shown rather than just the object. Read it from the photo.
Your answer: 5:52:08
